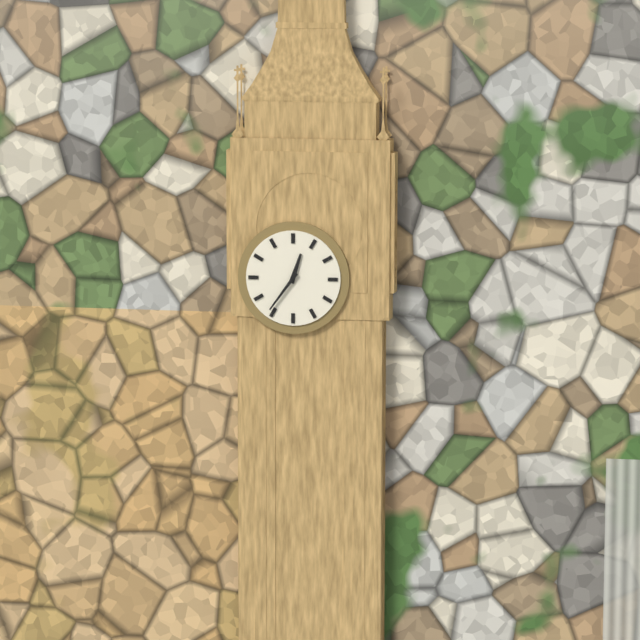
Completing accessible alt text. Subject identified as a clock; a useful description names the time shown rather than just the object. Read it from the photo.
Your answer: 12:36
